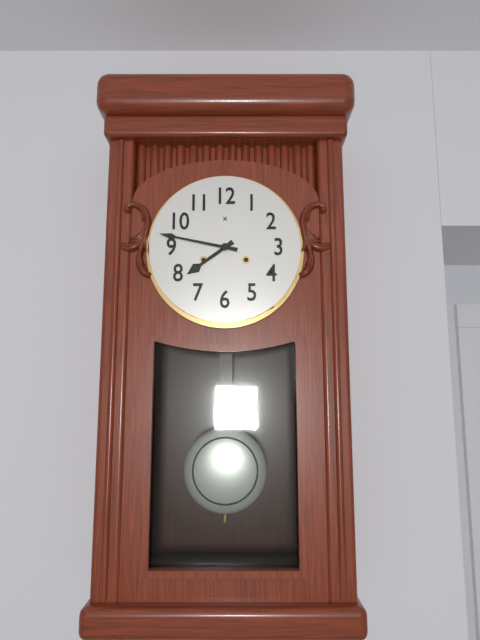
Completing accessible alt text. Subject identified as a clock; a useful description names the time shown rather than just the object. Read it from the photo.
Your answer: 7:47
